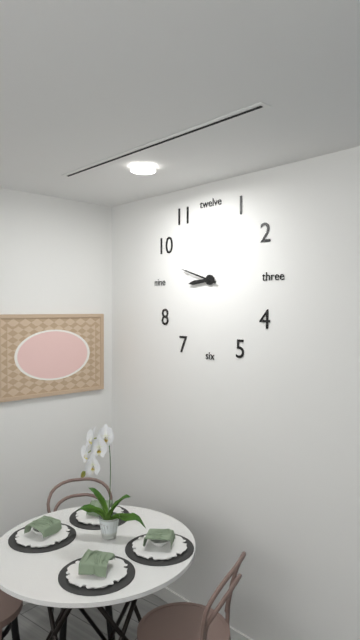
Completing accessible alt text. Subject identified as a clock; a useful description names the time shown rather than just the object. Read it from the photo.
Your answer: 8:48
